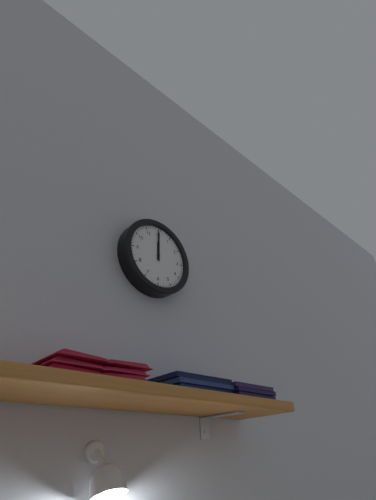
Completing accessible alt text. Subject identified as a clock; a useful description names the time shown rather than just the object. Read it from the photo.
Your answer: 12:00
